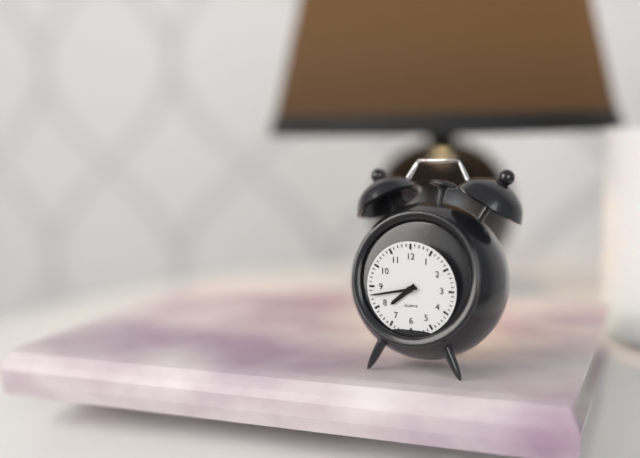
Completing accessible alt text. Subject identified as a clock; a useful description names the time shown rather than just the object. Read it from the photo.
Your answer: 7:43
